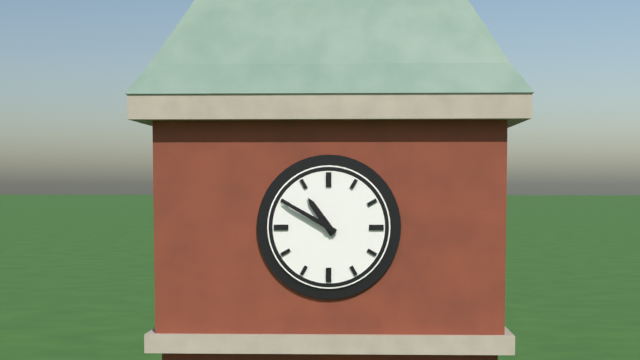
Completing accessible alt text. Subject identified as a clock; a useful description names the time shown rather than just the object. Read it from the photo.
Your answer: 10:50
